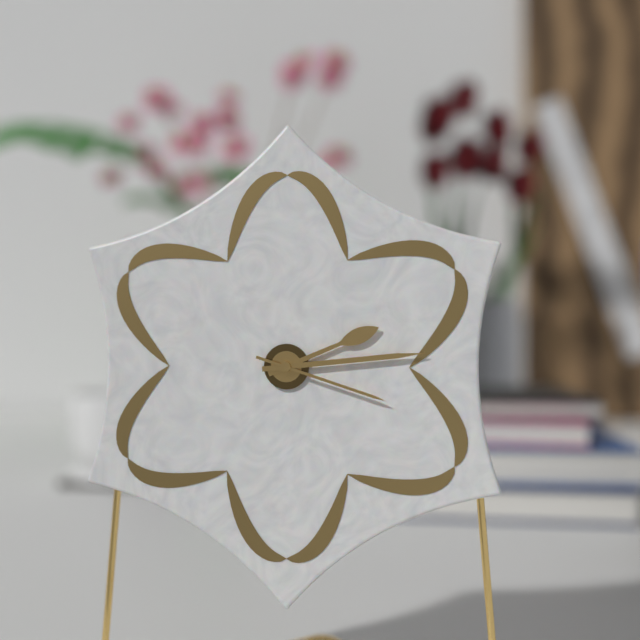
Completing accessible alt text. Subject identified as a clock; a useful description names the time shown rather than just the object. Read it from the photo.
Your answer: 2:14:18
